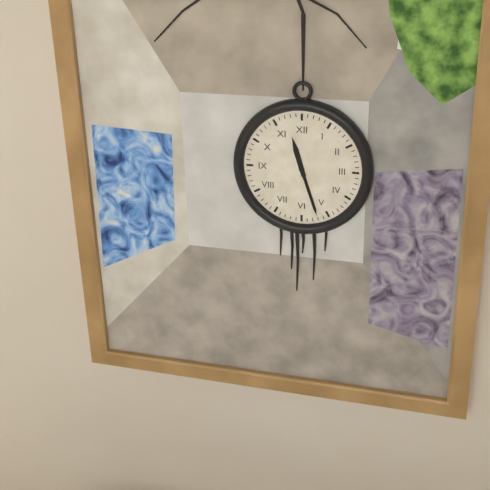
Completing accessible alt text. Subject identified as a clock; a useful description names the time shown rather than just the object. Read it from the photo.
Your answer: 11:27
